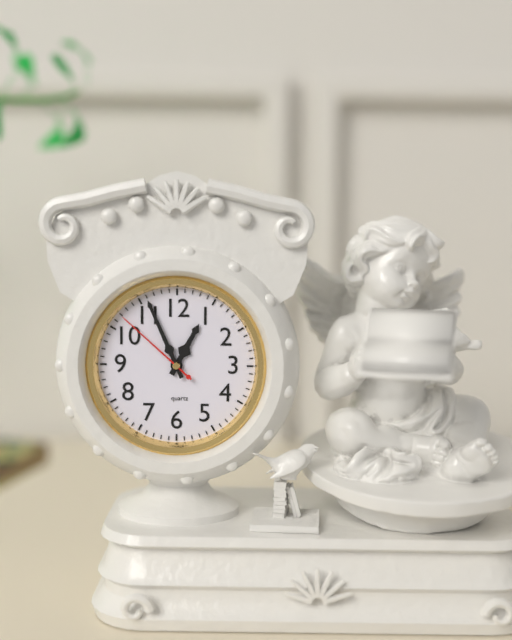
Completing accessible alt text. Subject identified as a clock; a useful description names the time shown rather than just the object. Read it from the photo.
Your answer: 12:56:52
